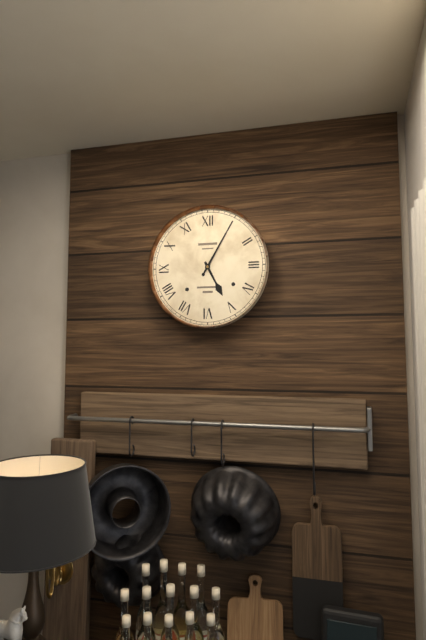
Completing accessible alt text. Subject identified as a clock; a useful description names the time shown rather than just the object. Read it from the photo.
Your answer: 5:05
